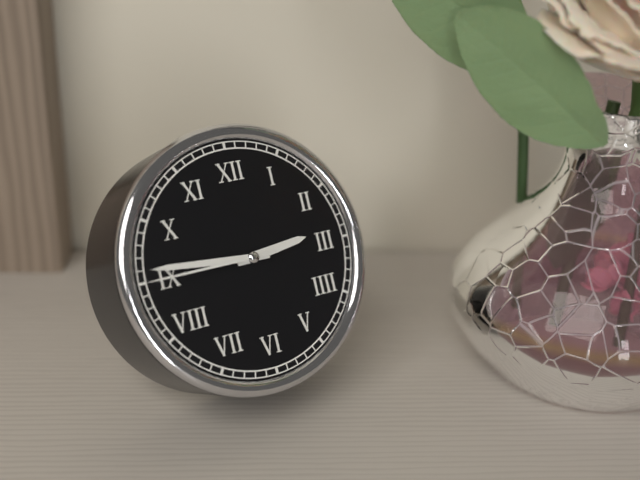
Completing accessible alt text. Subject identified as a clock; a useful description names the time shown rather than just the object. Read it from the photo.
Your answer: 2:46:45
